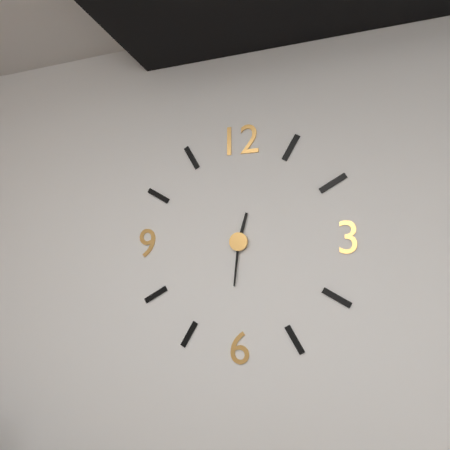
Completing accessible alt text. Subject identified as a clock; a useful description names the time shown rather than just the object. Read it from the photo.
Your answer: 12:31
